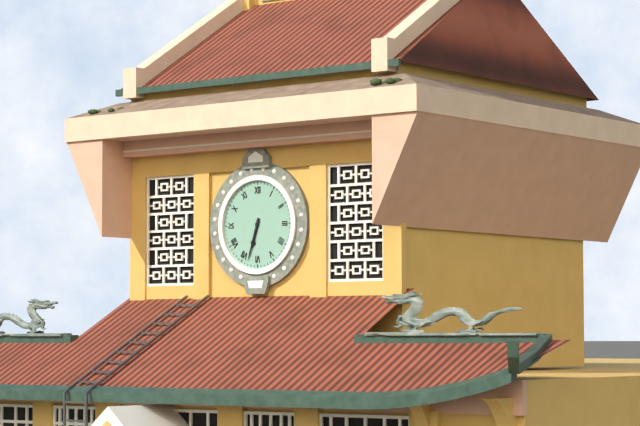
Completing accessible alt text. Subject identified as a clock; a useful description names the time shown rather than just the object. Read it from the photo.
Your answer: 6:33
